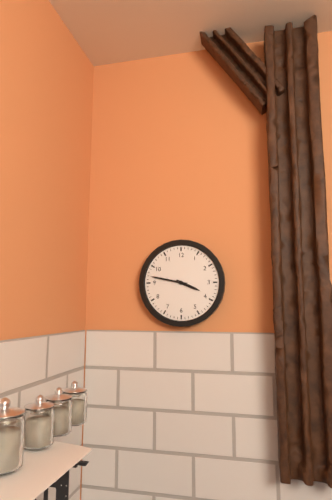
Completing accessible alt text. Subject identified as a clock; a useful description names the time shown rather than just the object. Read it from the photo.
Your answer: 3:47
